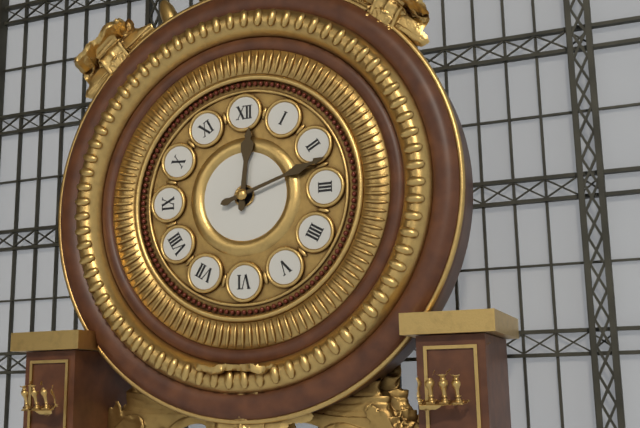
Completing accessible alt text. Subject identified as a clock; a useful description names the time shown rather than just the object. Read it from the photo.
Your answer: 12:12
